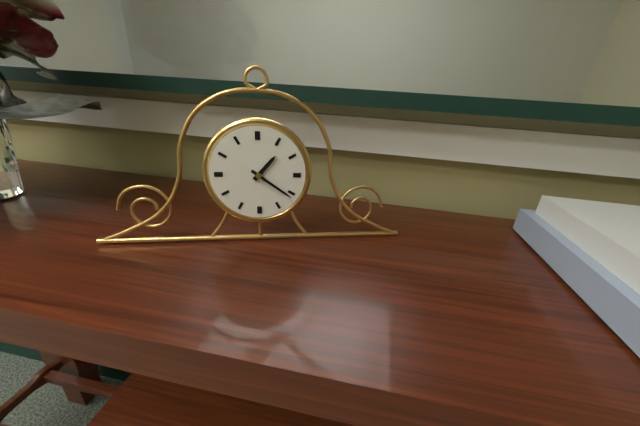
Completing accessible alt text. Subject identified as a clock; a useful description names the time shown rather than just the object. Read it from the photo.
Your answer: 1:21
